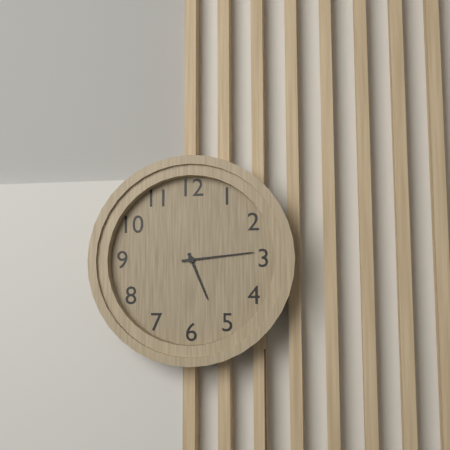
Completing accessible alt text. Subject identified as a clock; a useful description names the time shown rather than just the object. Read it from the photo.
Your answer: 5:14
